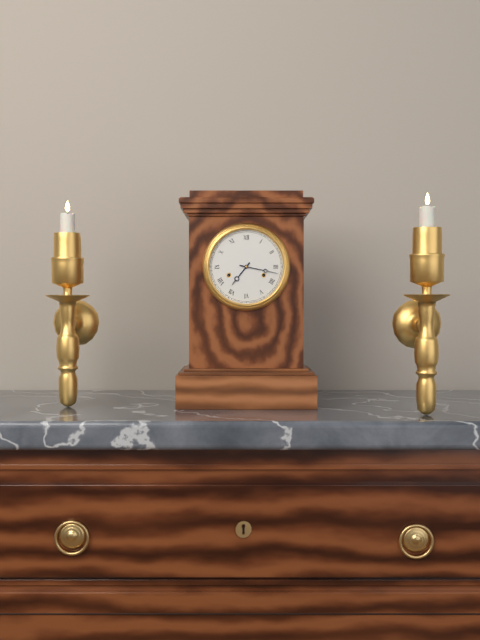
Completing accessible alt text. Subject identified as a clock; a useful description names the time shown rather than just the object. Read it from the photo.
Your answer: 7:17
